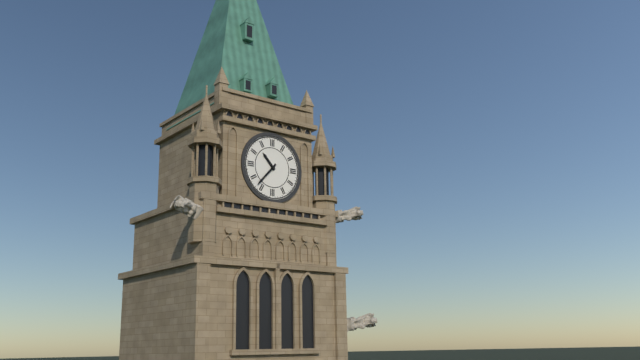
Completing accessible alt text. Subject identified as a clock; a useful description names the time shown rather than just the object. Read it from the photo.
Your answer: 10:37
